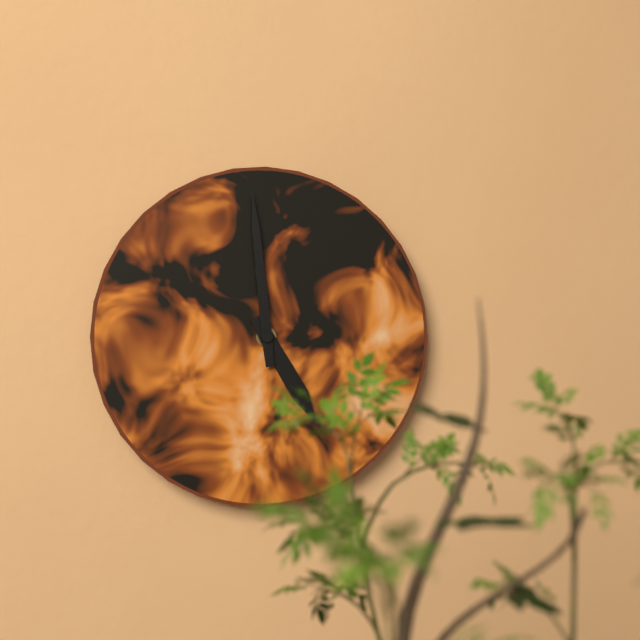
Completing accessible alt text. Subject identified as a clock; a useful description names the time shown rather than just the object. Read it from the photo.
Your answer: 4:59
